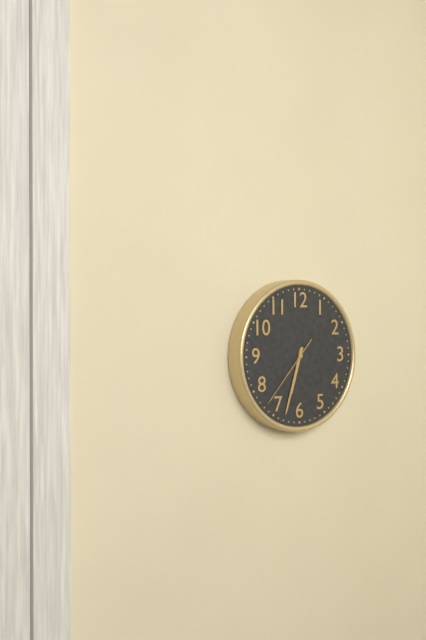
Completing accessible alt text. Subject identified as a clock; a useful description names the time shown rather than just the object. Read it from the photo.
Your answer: 6:33:37
